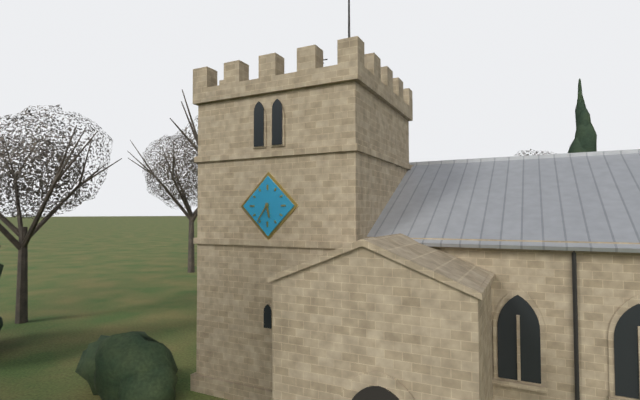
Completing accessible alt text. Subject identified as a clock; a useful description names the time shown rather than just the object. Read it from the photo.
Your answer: 5:36
